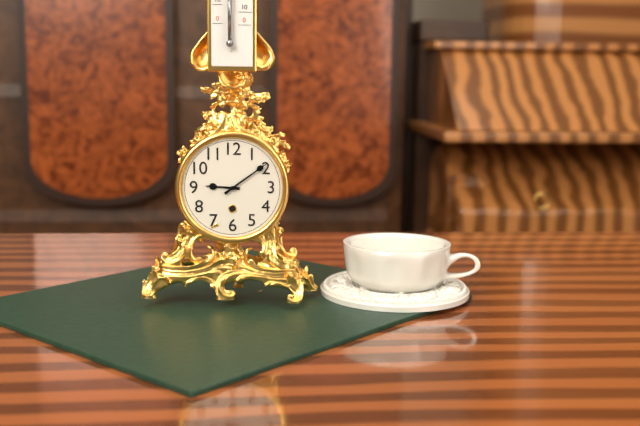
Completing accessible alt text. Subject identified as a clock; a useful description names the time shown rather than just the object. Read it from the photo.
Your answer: 9:09
